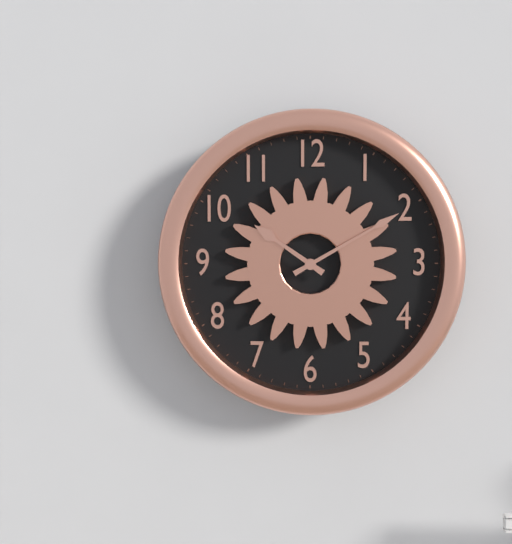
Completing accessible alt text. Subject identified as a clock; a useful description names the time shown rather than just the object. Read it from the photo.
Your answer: 10:10
